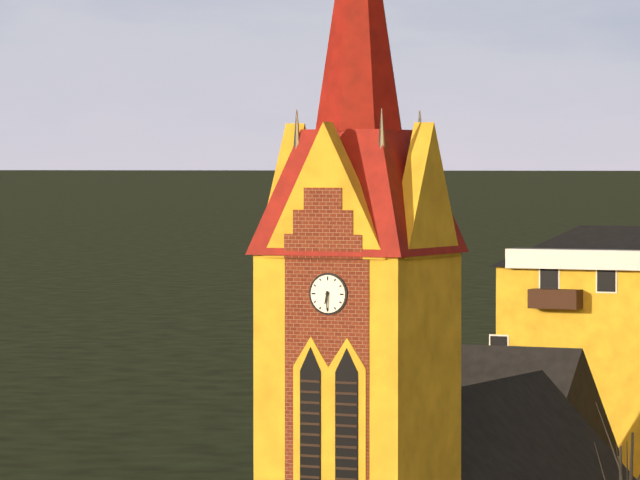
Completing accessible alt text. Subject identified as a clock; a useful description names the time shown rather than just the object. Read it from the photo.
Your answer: 6:30
